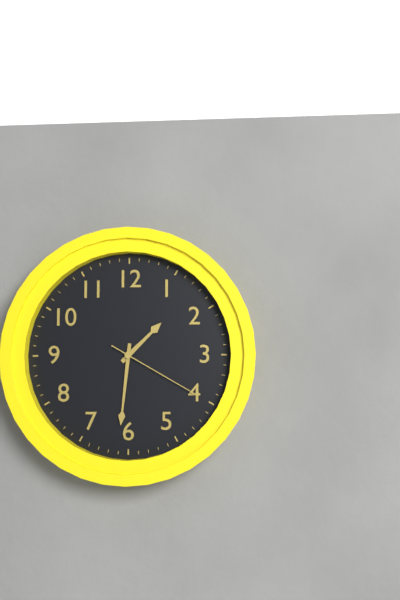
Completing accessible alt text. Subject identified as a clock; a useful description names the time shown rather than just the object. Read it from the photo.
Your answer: 1:31:20
